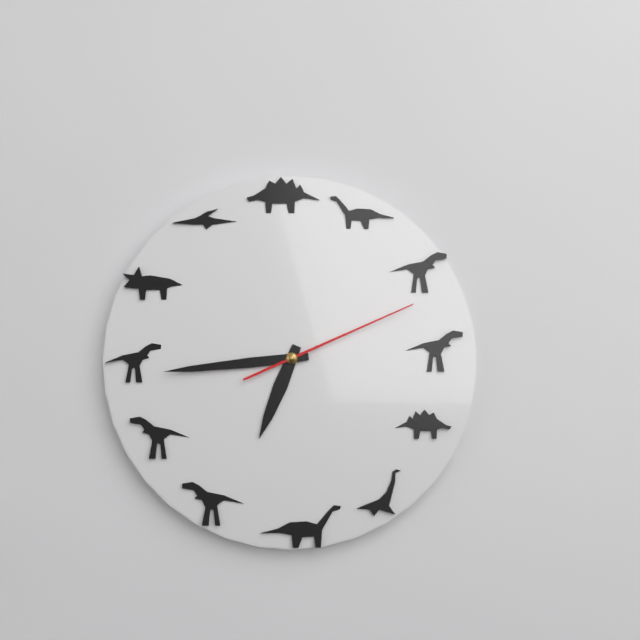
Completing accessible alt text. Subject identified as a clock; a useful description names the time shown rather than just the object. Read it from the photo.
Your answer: 6:44:11
